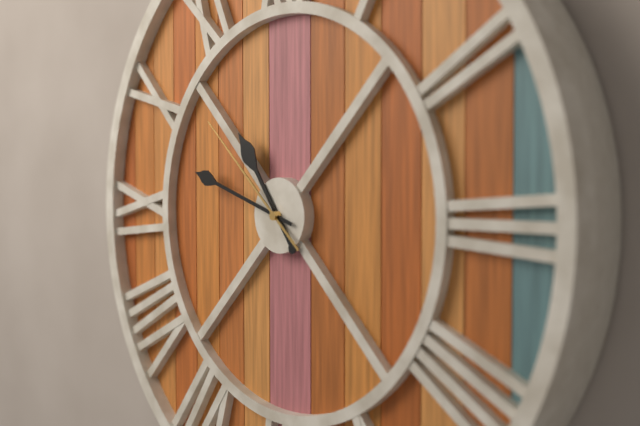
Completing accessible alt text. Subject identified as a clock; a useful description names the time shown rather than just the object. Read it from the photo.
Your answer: 10:48:52
